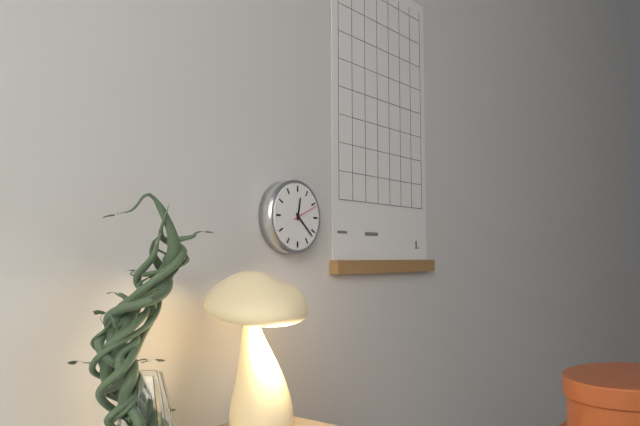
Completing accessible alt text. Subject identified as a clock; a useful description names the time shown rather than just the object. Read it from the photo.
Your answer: 12:22
